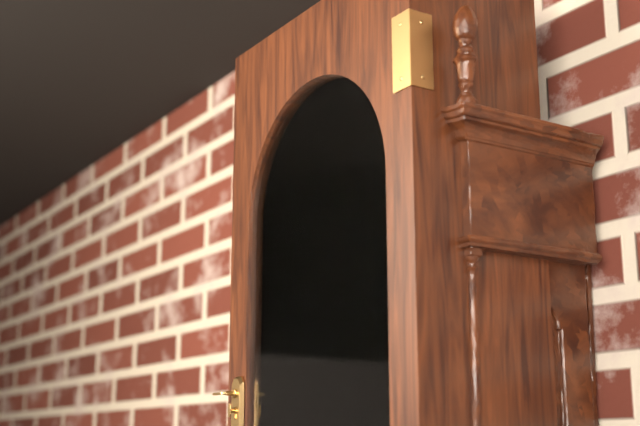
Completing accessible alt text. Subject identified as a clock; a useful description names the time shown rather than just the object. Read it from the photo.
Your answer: 1:13
